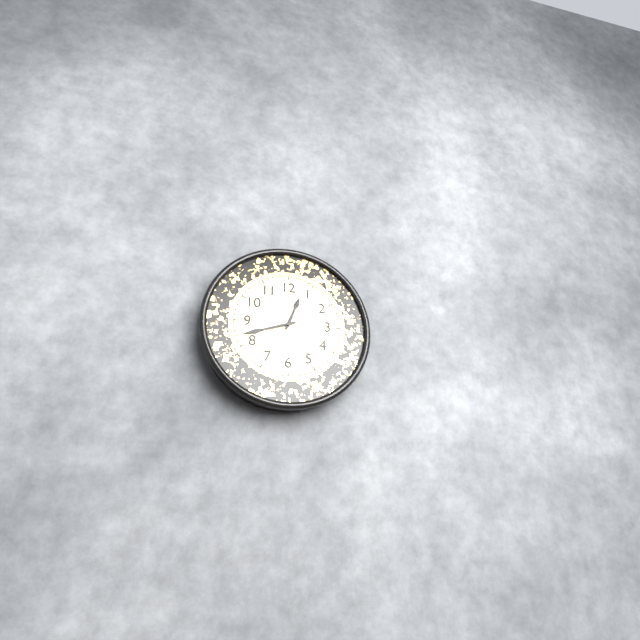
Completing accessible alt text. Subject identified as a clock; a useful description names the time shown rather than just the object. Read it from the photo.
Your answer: 12:42
